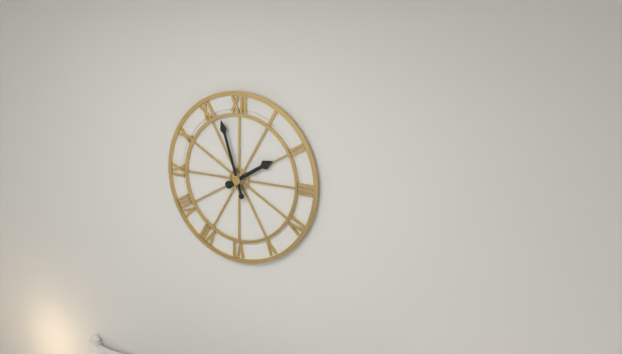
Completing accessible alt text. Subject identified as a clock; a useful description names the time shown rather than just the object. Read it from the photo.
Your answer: 1:57
